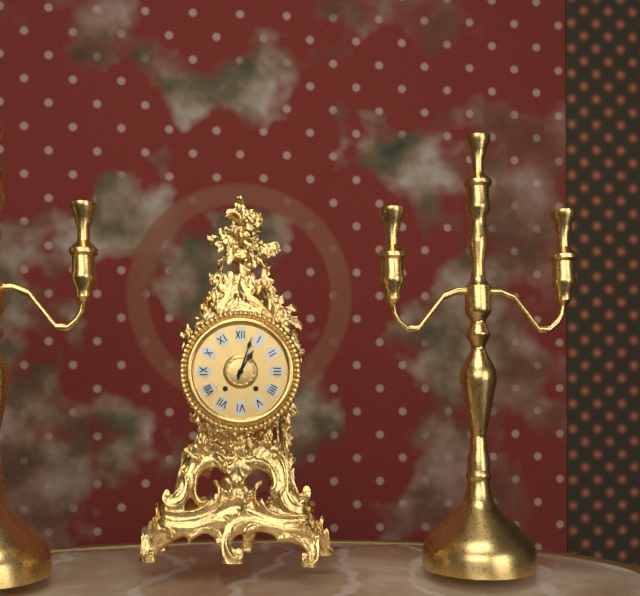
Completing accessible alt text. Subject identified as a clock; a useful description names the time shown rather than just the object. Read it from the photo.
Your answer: 1:03
